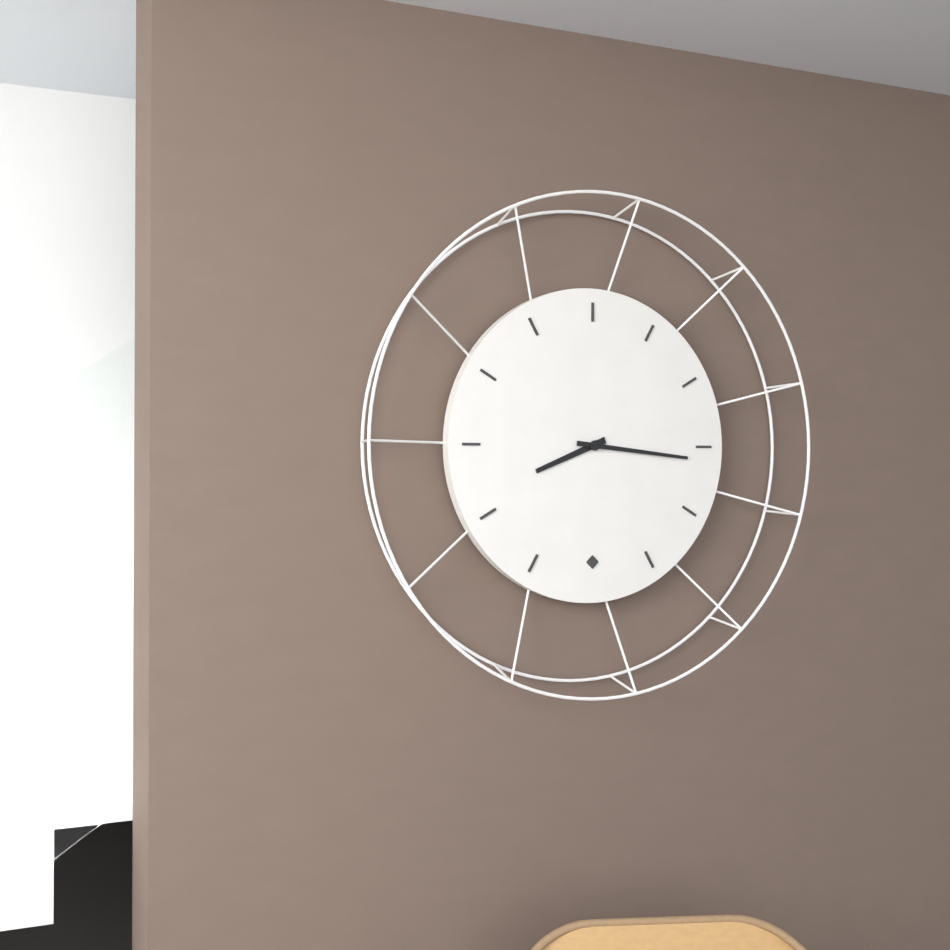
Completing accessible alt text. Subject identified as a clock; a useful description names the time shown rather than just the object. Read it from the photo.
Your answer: 8:16
